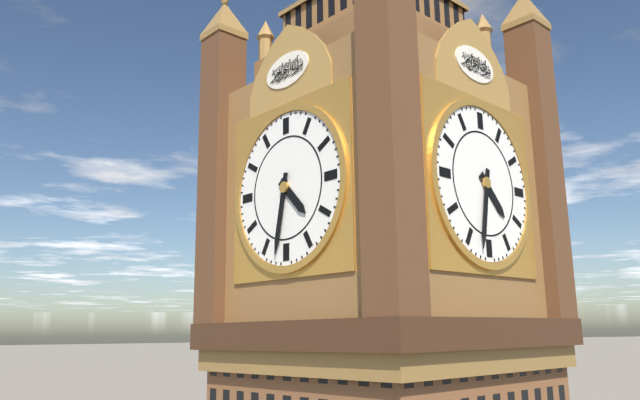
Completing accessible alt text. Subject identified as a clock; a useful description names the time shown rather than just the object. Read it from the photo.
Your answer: 4:32
